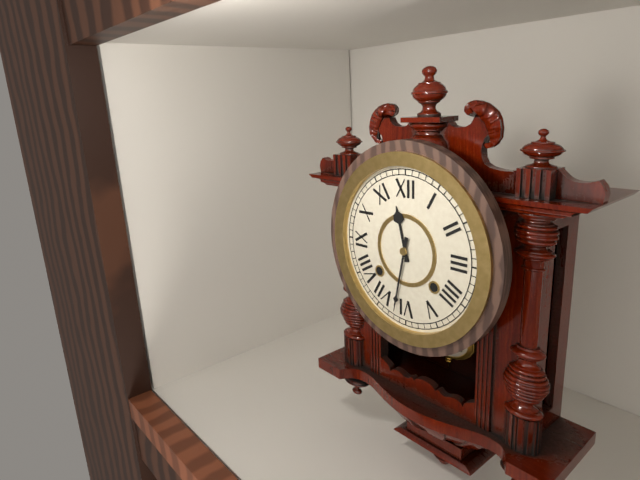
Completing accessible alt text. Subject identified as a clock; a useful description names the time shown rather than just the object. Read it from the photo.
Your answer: 11:32
